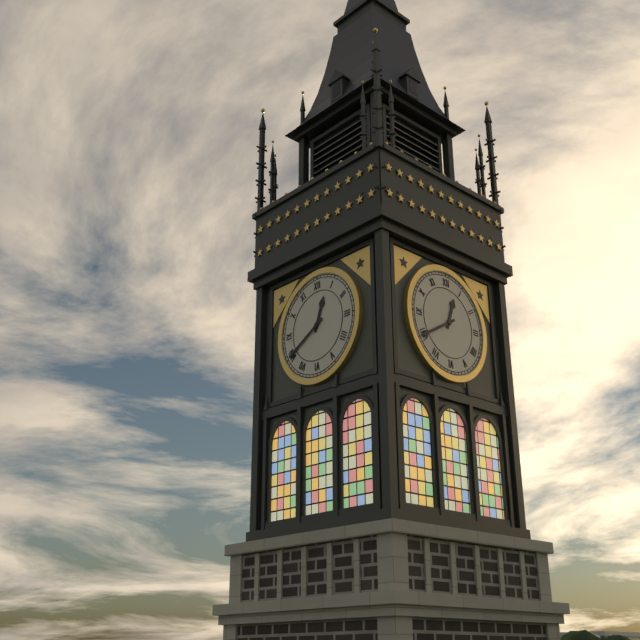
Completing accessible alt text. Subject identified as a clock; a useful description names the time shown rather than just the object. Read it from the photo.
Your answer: 12:40
